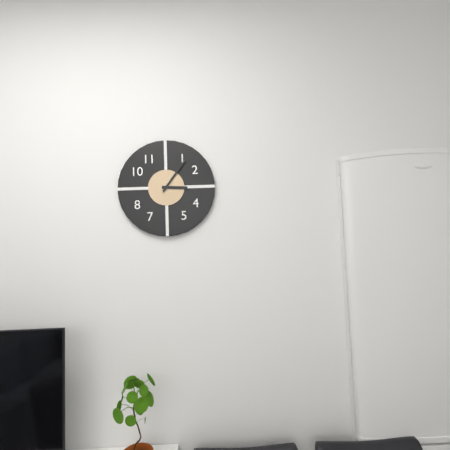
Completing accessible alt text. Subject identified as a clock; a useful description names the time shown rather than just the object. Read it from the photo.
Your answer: 3:06
